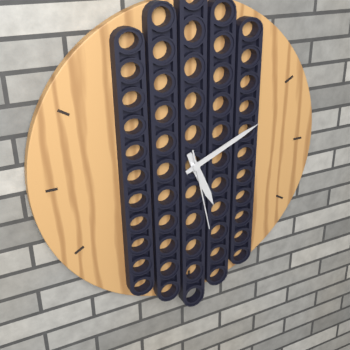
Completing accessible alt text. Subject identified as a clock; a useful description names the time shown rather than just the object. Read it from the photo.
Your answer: 5:11:28
